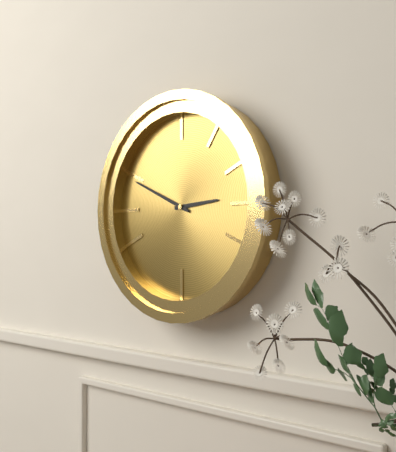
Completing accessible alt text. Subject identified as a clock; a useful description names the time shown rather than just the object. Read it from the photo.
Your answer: 2:49
